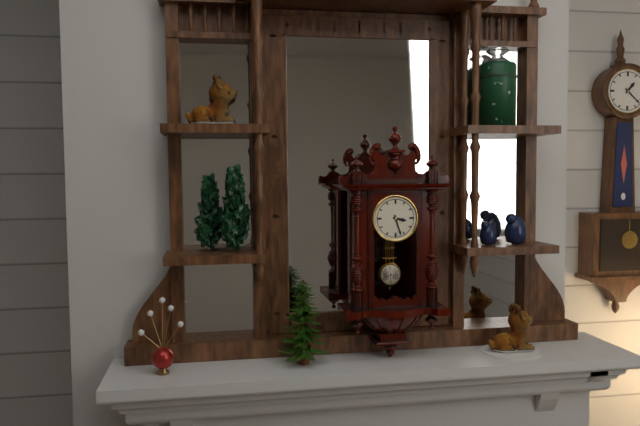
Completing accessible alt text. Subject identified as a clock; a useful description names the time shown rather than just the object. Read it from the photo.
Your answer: 3:27
